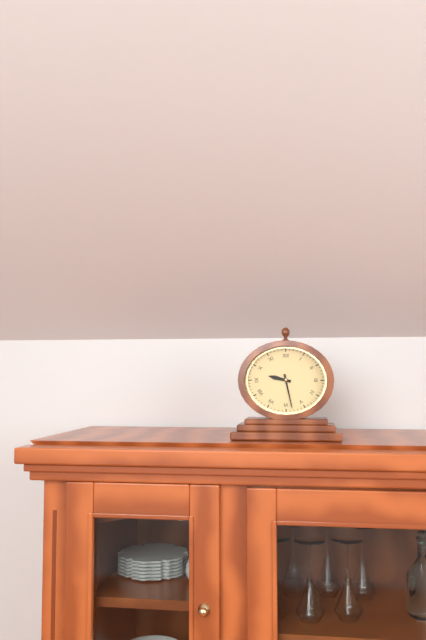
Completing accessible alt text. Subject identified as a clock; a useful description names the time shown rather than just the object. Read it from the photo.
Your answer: 9:28
